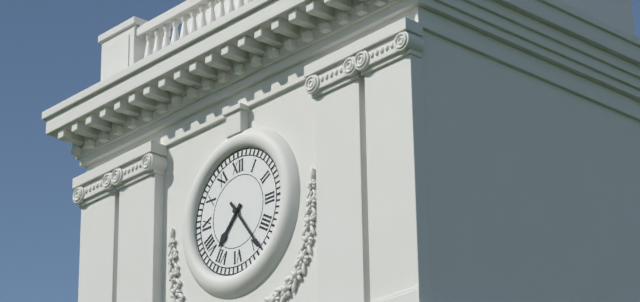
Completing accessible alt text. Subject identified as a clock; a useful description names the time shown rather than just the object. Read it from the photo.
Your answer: 7:24
